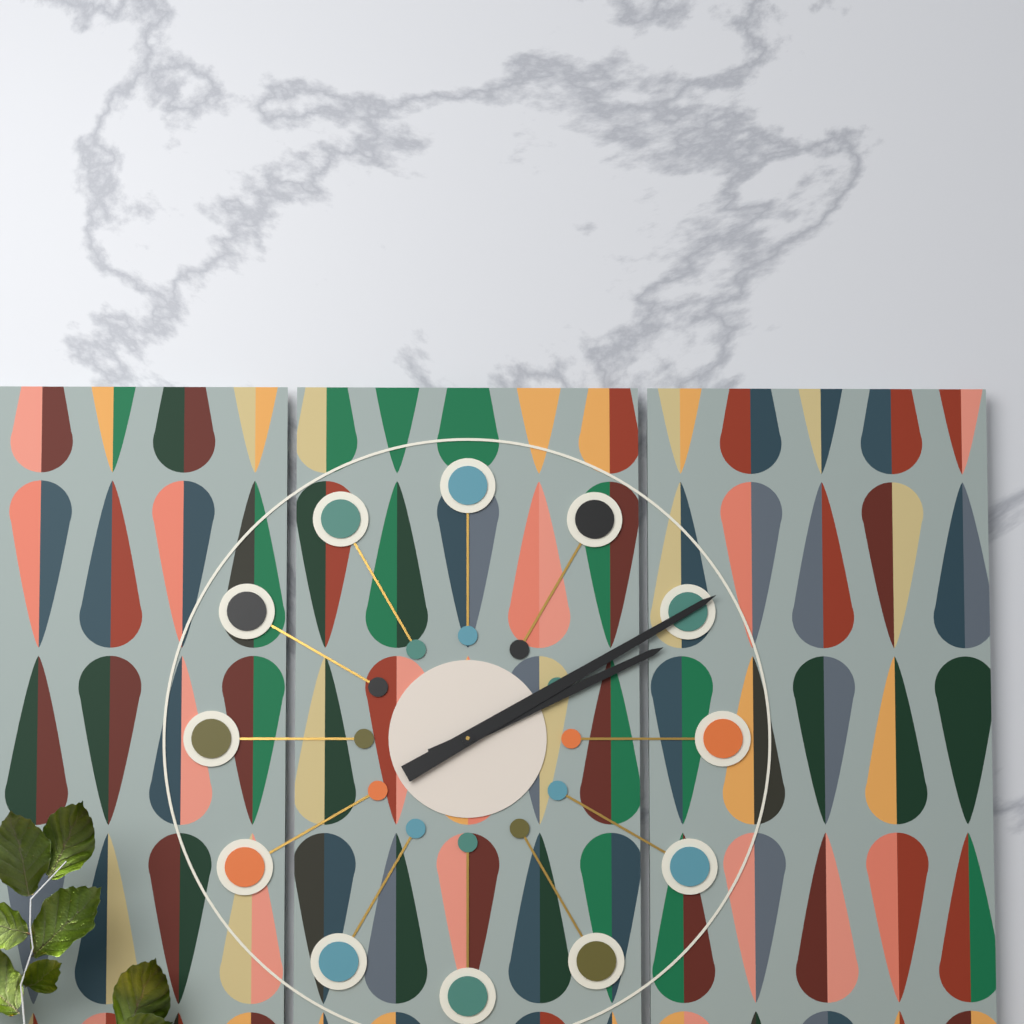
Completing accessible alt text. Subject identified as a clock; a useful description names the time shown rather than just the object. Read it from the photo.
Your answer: 2:10
